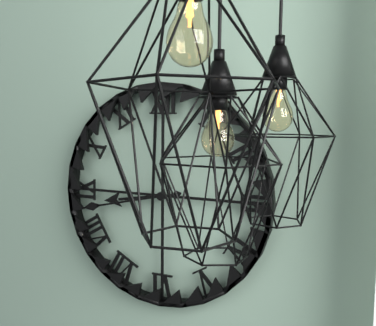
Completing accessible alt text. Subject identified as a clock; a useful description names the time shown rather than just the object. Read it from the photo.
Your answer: 8:43
